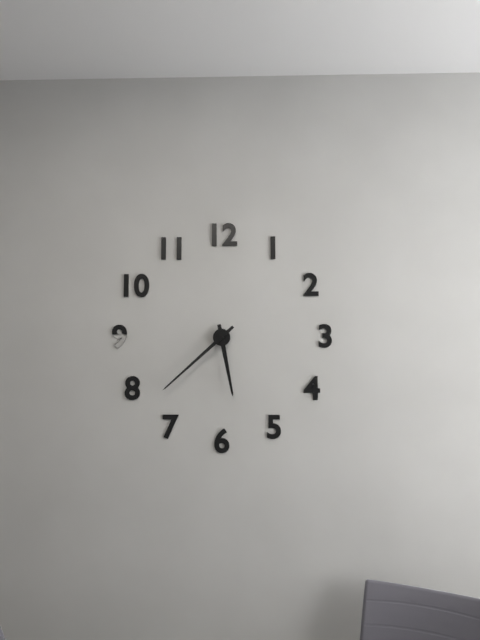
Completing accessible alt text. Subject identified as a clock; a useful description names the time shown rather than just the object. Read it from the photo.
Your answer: 5:38
